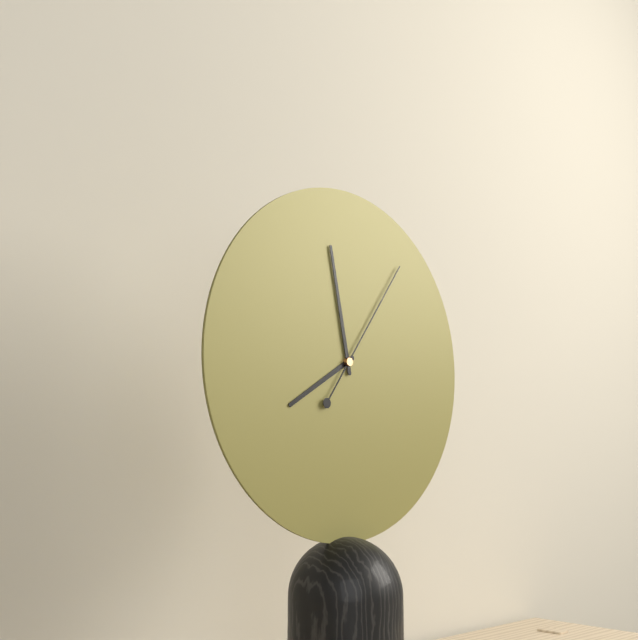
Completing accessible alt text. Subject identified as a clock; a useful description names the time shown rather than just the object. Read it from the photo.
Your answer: 7:58:06
